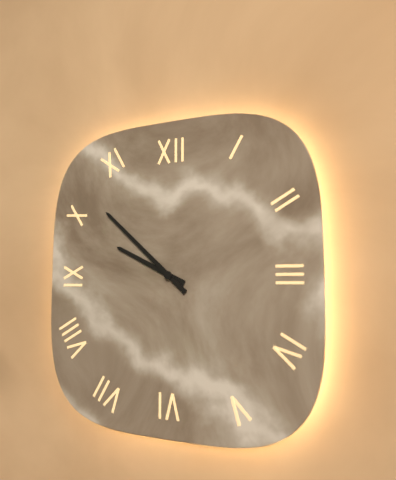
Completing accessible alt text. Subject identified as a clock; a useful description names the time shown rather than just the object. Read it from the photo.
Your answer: 9:52
